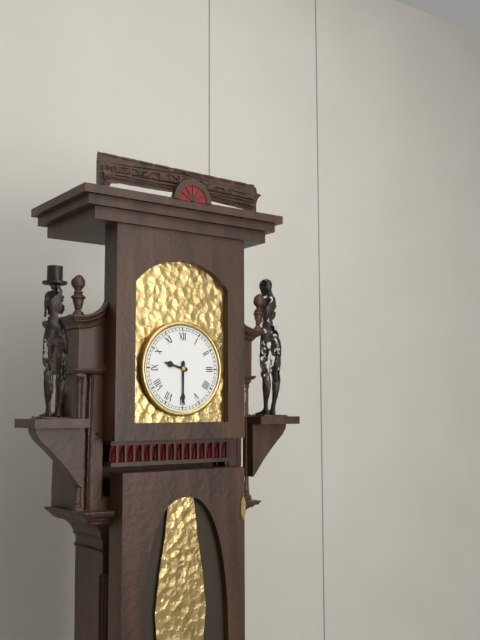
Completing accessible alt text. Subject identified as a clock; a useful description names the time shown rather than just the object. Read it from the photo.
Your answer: 9:30
